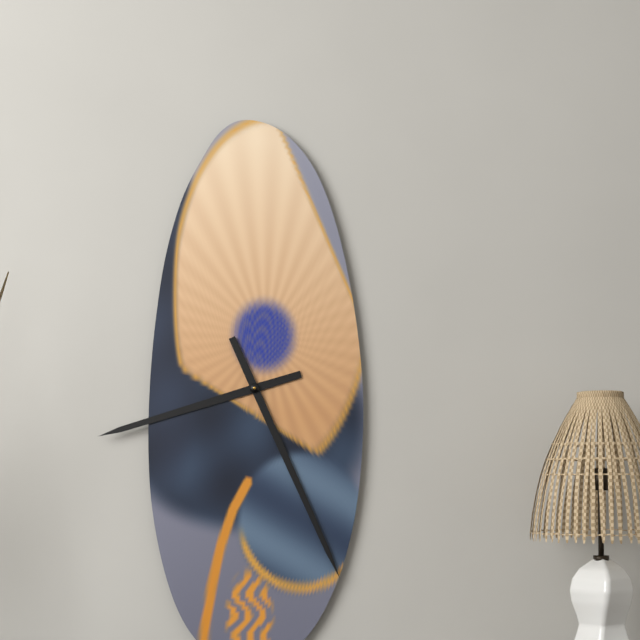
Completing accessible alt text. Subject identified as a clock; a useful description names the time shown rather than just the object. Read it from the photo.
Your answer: 8:26
